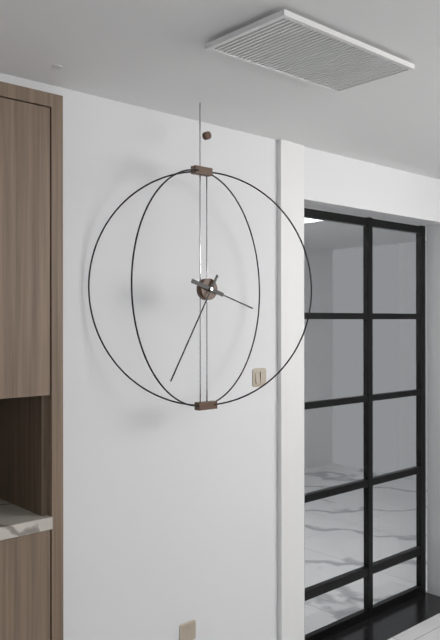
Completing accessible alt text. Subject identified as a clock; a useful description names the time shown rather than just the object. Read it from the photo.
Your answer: 3:35
